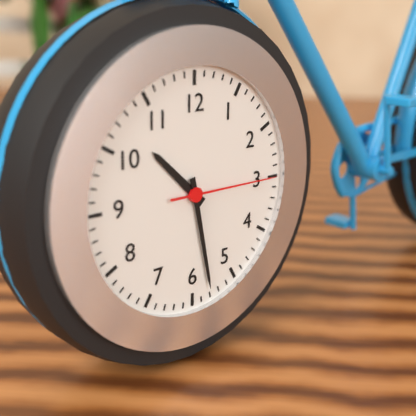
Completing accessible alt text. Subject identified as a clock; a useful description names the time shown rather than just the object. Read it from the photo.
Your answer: 10:28:15
